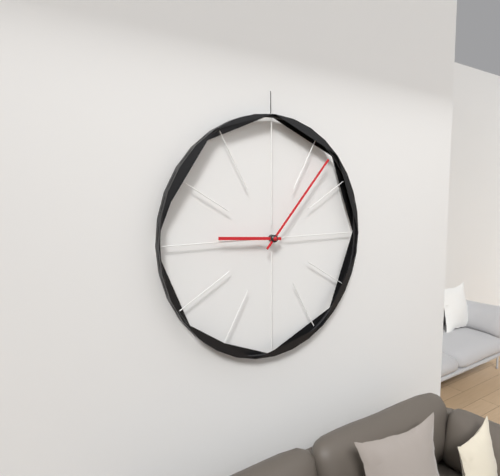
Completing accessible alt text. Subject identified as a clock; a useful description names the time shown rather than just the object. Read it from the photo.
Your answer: 9:07
